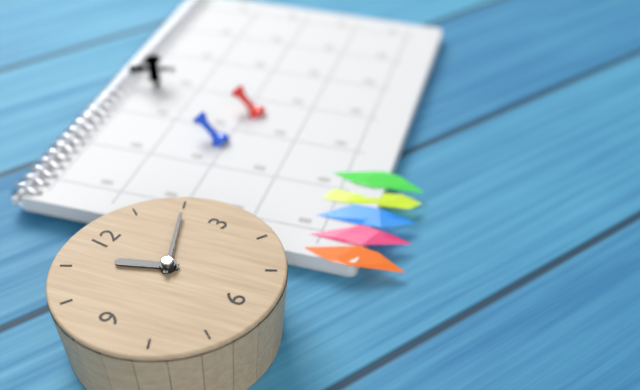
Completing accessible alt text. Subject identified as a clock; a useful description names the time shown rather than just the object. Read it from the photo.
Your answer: 11:10
